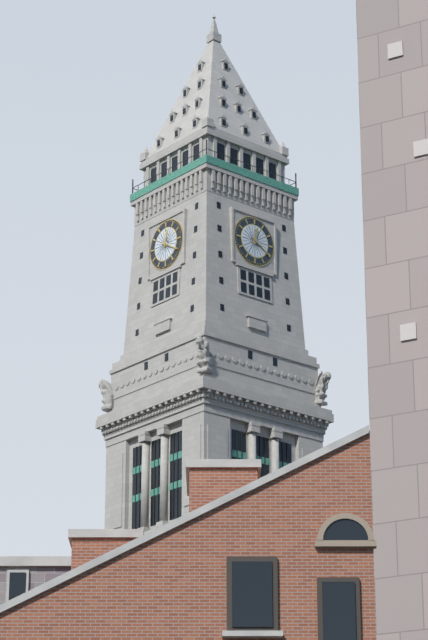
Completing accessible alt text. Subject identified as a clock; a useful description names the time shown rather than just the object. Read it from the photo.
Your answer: 12:20
